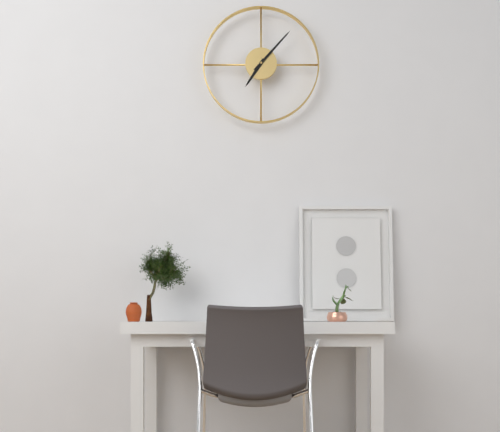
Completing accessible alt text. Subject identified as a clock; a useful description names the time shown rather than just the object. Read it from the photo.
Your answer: 7:07
